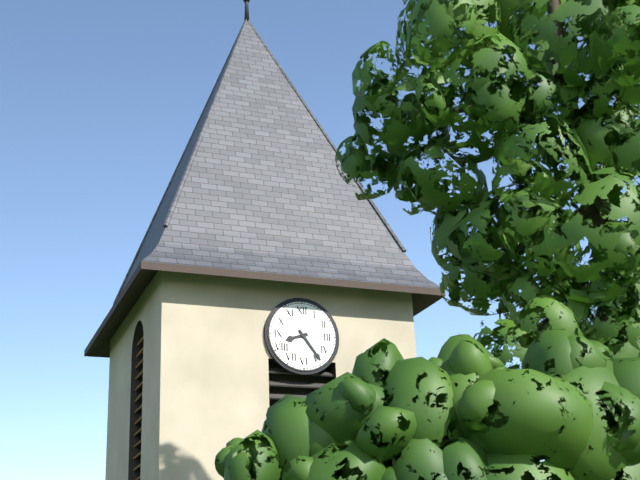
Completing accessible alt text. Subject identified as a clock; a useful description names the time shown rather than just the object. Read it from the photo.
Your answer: 8:24
